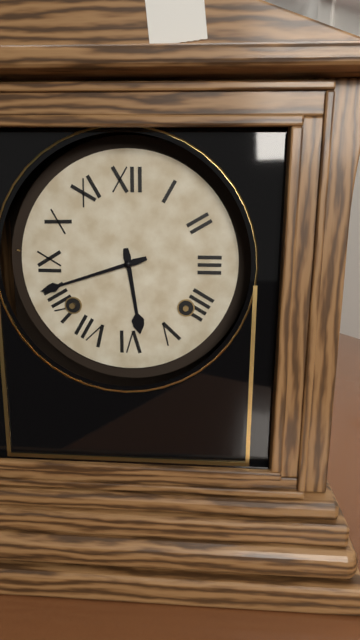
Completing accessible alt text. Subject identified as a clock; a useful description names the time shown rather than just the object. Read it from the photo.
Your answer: 5:42
